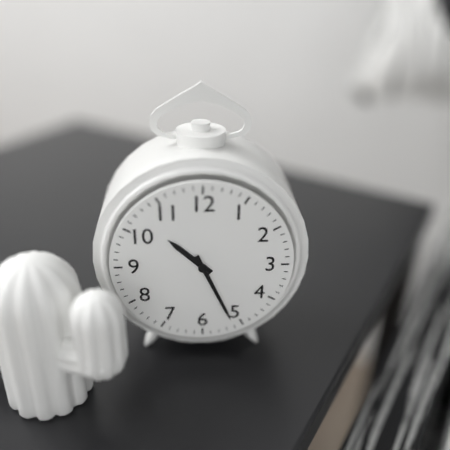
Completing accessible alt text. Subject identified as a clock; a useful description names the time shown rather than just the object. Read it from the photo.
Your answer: 10:26
